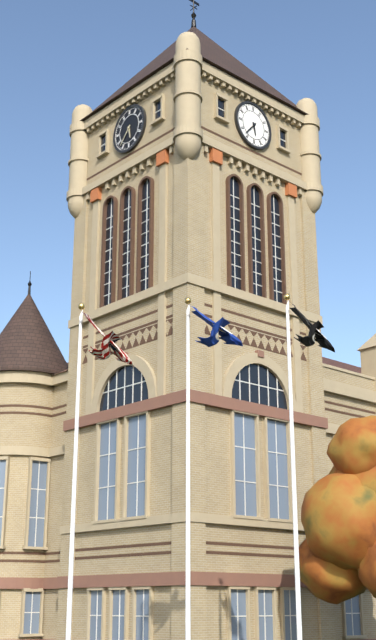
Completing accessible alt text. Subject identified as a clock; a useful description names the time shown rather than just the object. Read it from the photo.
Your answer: 5:37
